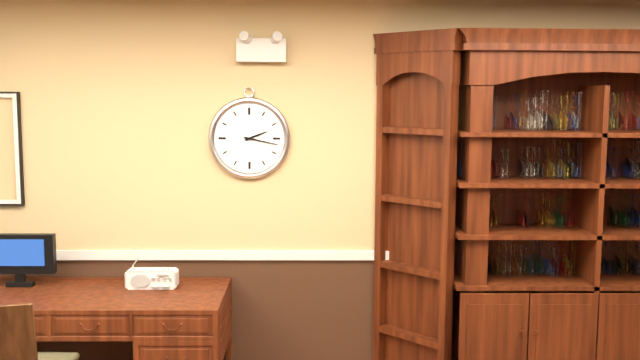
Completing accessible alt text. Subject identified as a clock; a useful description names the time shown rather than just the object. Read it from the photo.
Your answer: 2:17
